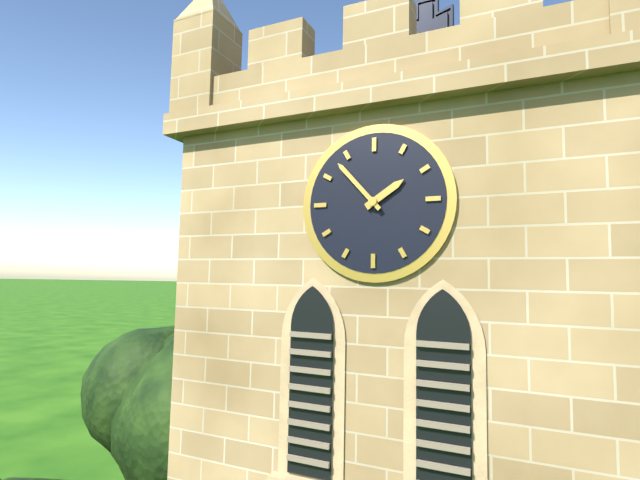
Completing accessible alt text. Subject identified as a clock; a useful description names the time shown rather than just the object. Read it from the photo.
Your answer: 1:53
